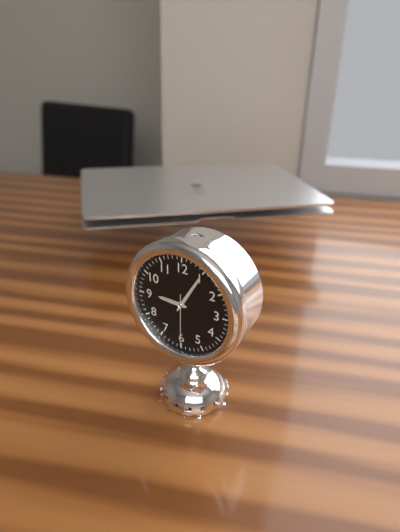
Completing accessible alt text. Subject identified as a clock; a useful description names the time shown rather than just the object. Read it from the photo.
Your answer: 9:05:30
